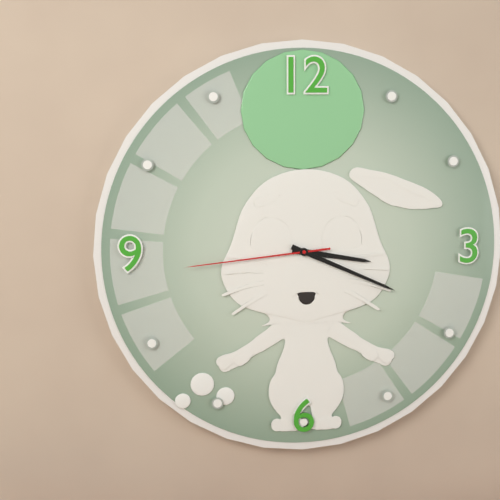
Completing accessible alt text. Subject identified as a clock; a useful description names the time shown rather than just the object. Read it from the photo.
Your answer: 3:19:44
